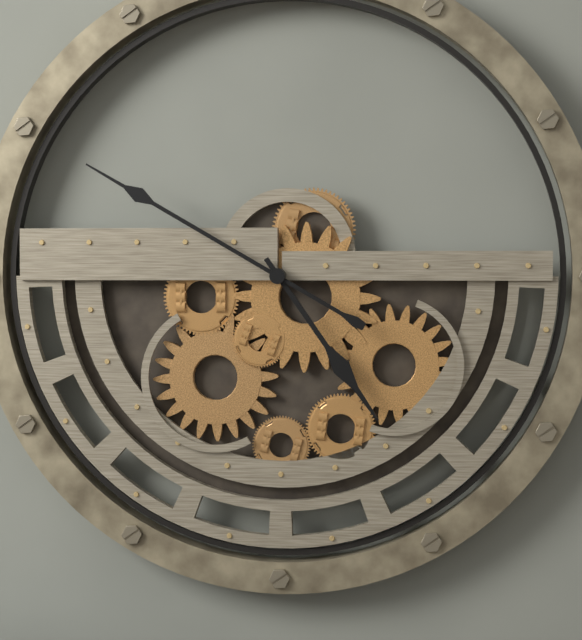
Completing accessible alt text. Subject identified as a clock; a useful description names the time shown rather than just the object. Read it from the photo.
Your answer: 4:50
